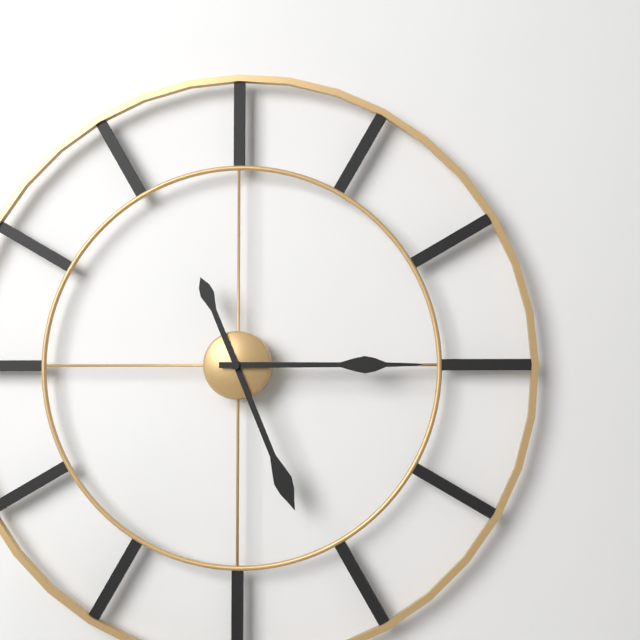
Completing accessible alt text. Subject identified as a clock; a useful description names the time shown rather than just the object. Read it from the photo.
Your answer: 5:15
